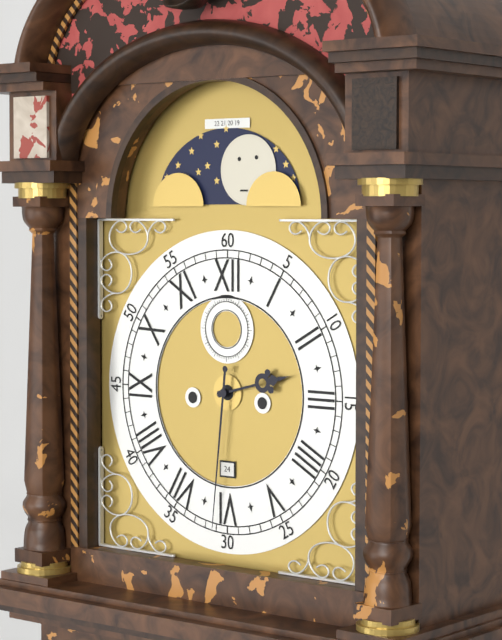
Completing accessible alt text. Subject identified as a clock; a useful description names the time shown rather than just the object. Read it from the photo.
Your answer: 2:31
